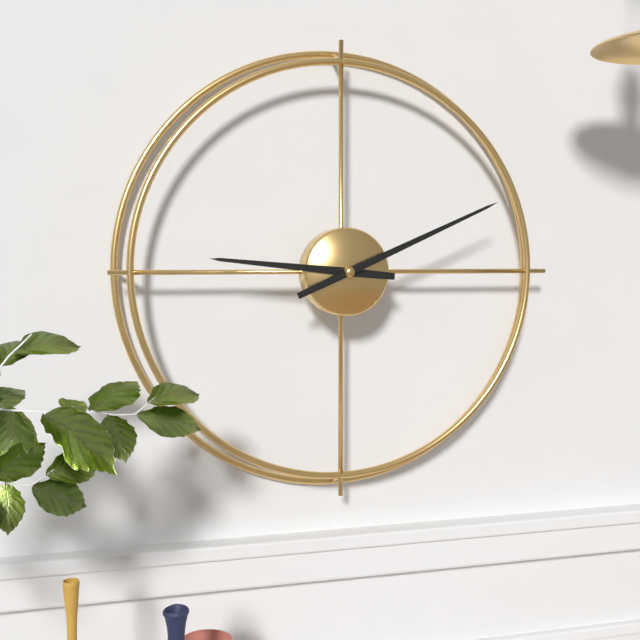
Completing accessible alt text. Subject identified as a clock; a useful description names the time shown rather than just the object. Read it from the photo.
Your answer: 9:11
